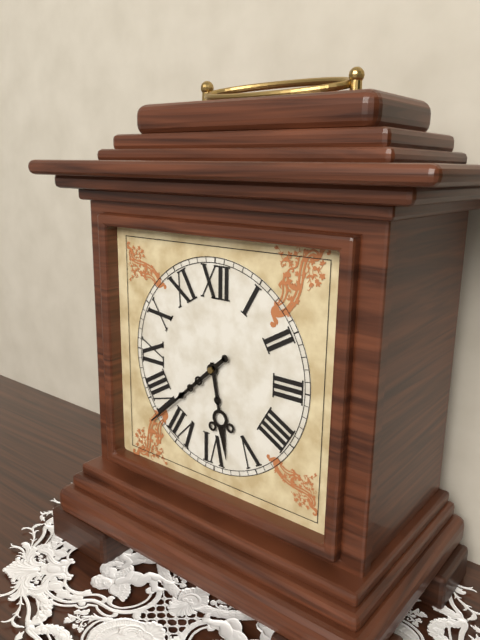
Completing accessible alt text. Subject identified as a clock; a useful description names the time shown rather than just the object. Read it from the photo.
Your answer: 5:38
